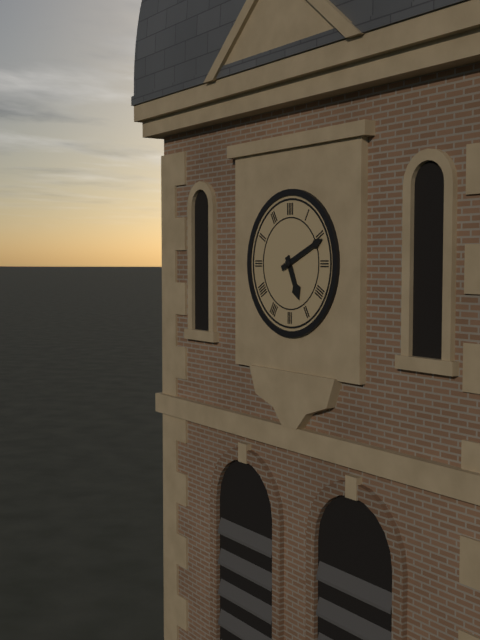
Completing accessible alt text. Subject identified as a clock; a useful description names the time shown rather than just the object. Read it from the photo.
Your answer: 5:11
